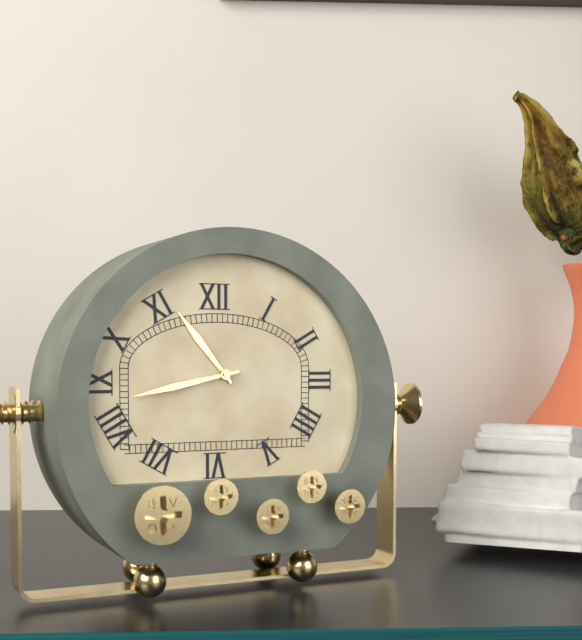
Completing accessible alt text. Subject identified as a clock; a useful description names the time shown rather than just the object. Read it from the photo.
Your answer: 10:43
